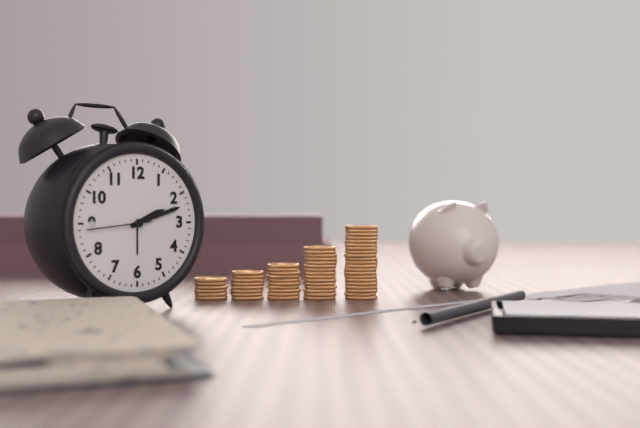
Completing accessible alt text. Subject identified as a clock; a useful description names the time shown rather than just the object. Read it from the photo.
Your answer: 2:12:44
